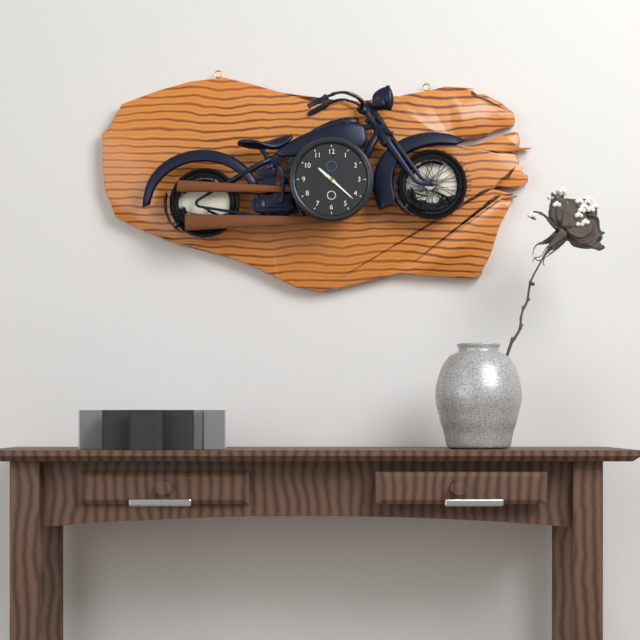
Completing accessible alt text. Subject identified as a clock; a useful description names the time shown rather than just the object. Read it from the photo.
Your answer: 10:22
